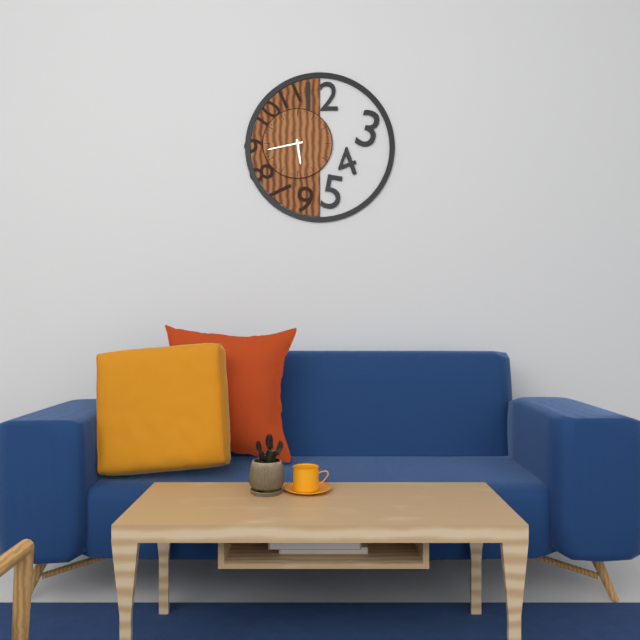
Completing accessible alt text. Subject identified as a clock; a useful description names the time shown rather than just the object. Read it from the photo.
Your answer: 5:43
